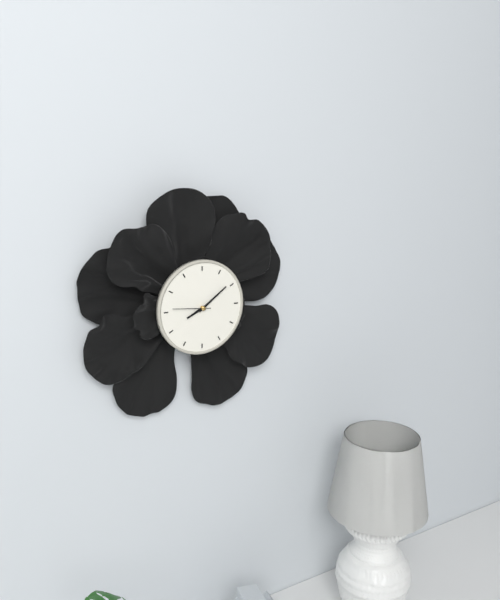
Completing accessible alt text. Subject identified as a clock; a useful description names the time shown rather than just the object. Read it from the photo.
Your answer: 8:09
